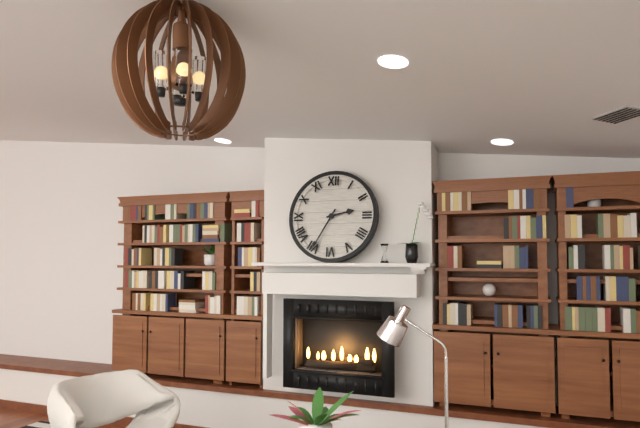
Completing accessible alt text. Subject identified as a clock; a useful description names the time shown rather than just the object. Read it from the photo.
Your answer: 2:35
